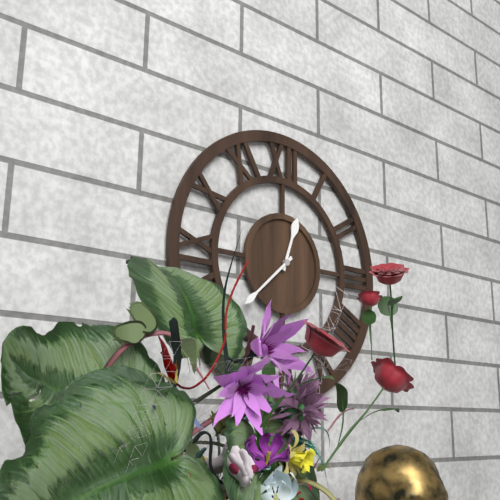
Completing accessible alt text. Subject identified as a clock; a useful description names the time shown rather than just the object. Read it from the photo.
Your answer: 12:38
